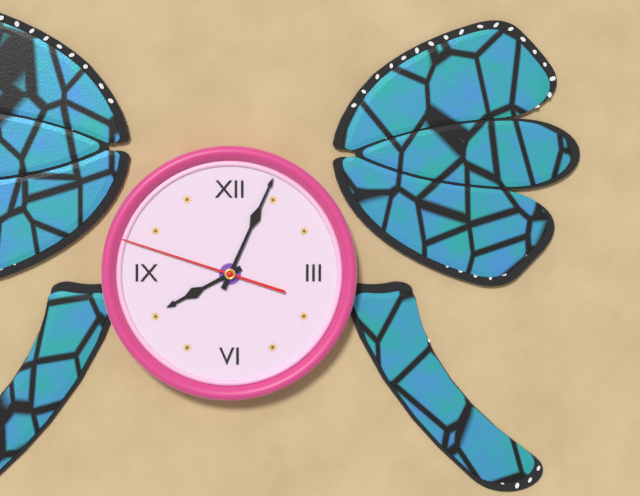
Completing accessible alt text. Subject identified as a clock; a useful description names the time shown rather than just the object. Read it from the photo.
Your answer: 8:04:48
